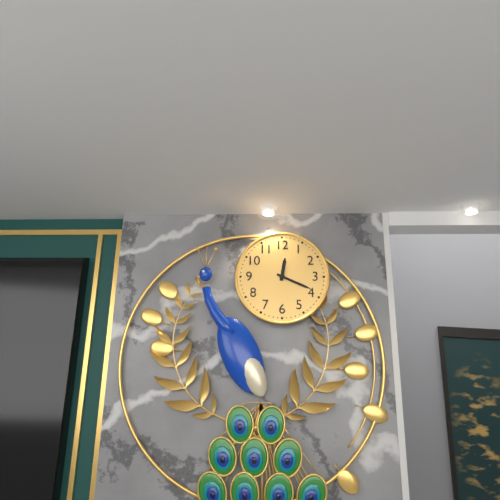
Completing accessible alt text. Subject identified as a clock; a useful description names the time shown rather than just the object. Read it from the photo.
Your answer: 12:19
